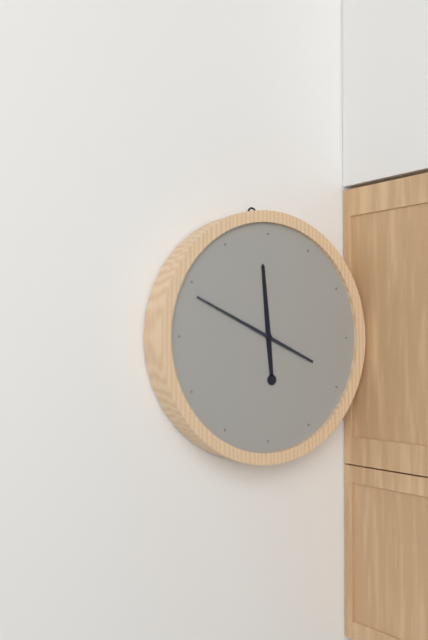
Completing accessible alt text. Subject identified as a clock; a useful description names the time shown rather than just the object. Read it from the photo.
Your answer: 11:49
